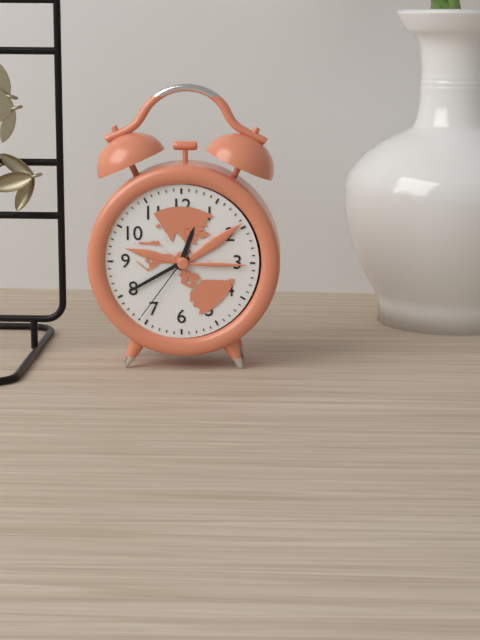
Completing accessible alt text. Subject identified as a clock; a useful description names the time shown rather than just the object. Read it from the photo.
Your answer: 12:40:36
